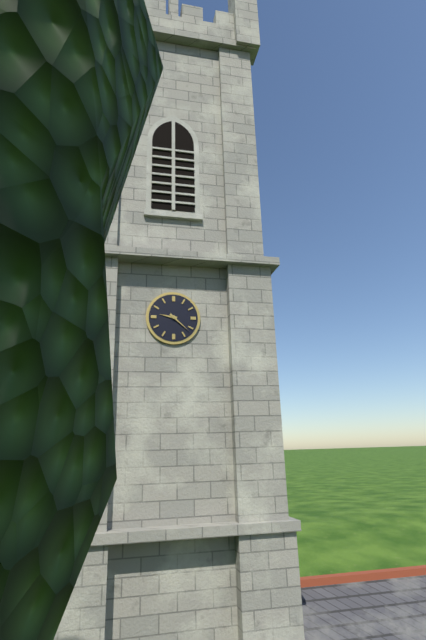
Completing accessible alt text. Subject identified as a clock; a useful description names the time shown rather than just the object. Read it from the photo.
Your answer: 9:22
